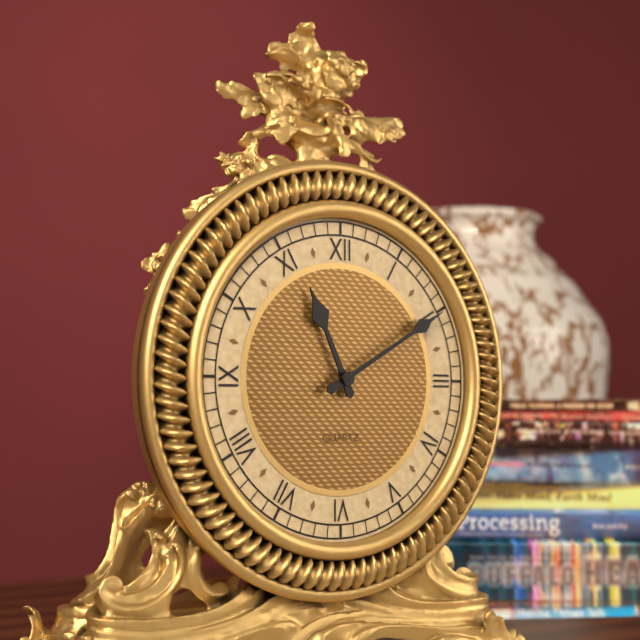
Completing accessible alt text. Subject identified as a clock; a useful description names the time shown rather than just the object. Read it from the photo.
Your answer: 11:10
